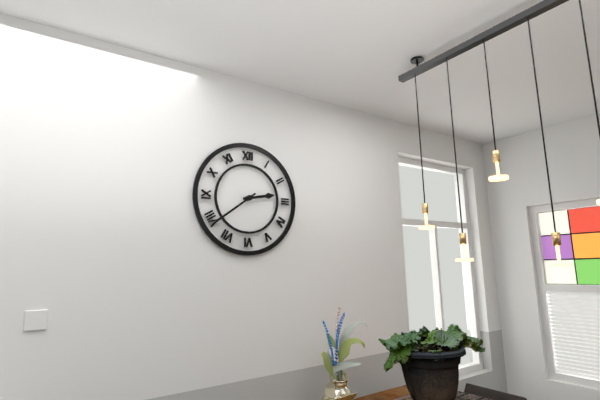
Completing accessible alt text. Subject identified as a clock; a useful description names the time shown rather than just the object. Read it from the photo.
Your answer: 2:39
